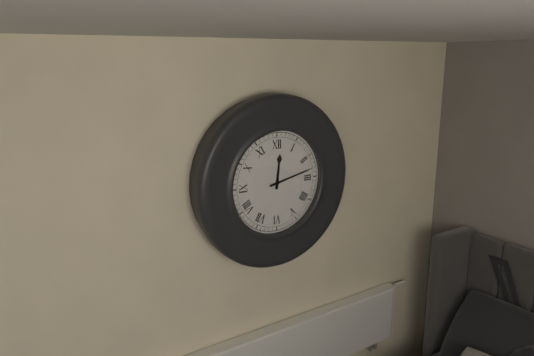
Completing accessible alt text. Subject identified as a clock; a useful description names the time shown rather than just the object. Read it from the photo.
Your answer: 12:13
